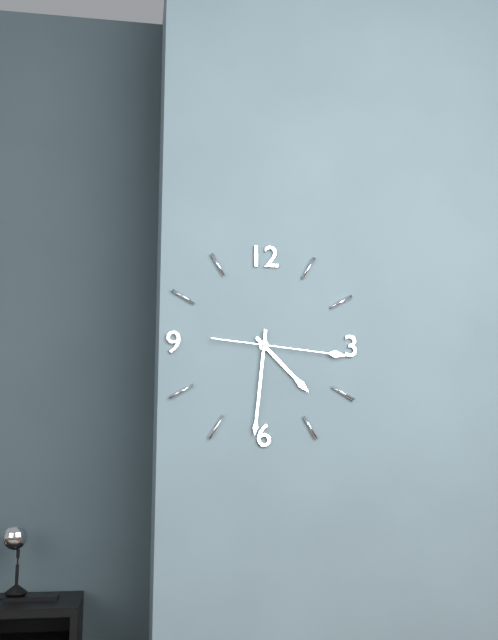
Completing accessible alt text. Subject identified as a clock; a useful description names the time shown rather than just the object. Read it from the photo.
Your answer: 4:31:16
